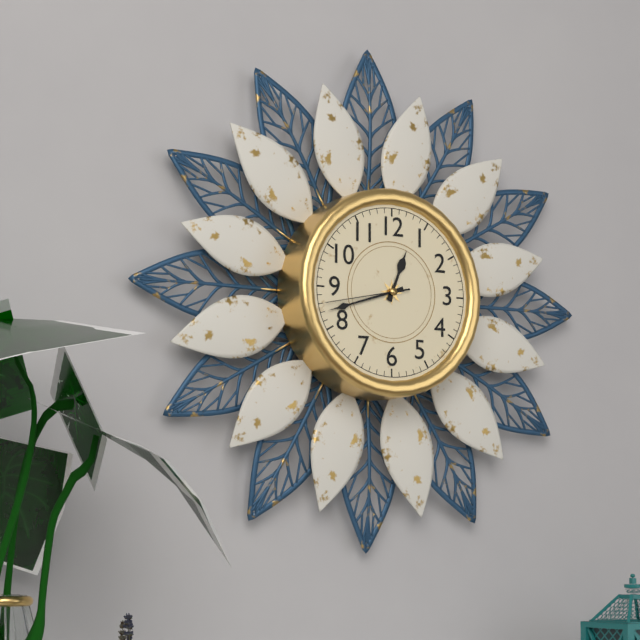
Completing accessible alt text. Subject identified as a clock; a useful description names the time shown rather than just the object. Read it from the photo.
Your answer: 12:42:43
